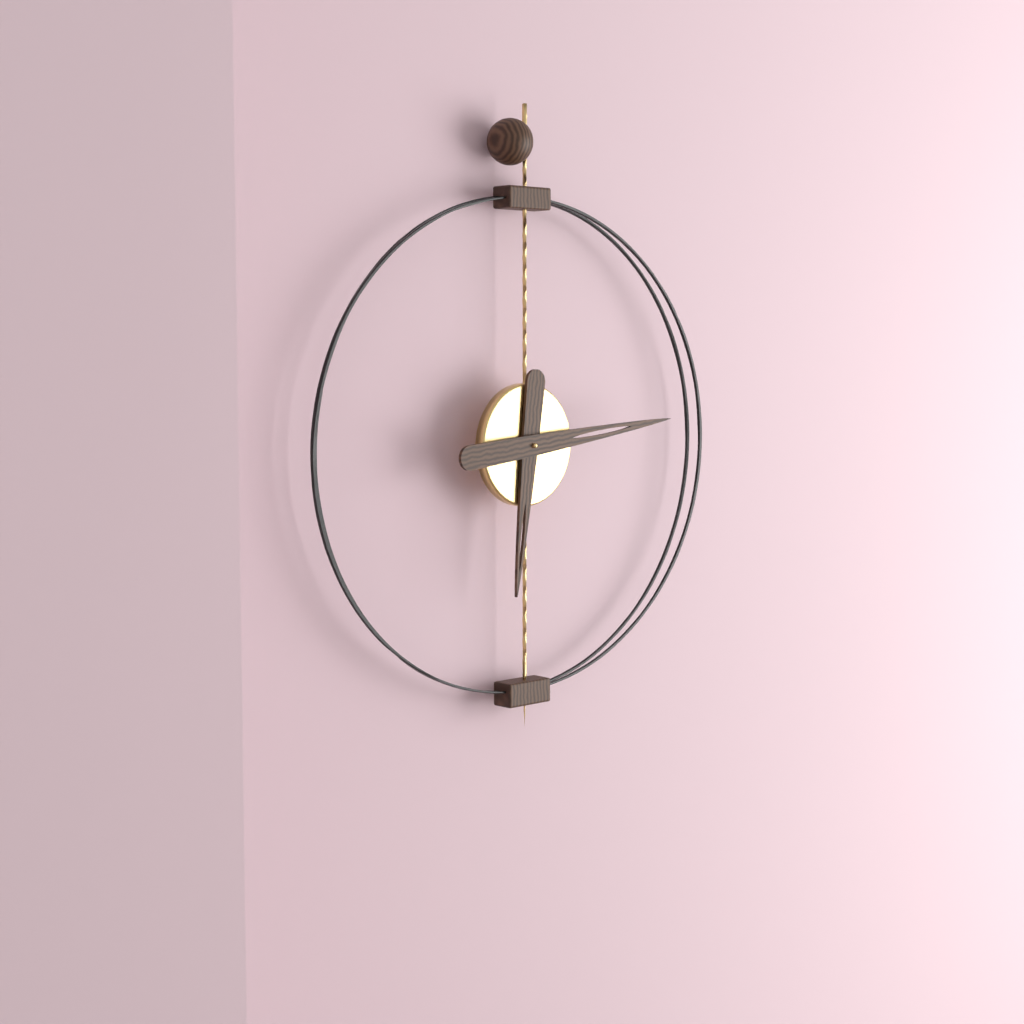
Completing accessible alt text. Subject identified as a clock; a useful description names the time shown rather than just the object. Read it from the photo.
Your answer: 6:14
